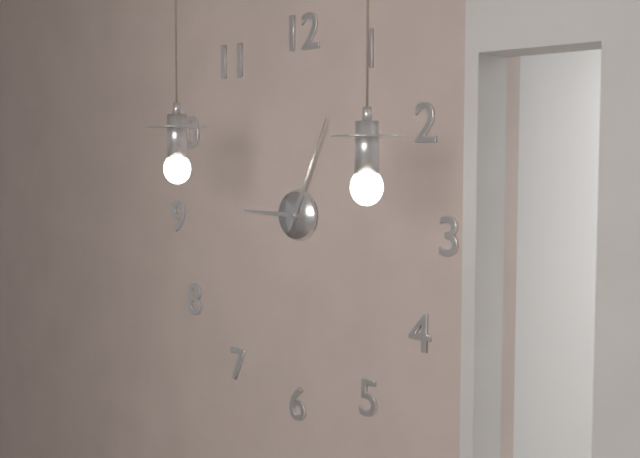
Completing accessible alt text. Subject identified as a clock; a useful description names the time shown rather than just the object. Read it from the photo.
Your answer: 9:04
